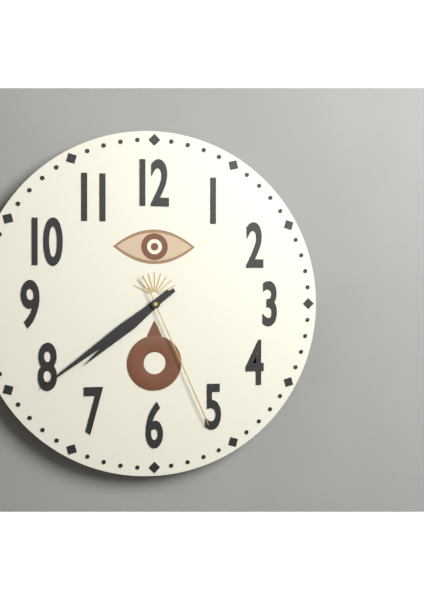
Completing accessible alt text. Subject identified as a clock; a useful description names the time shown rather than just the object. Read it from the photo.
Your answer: 7:39:26
